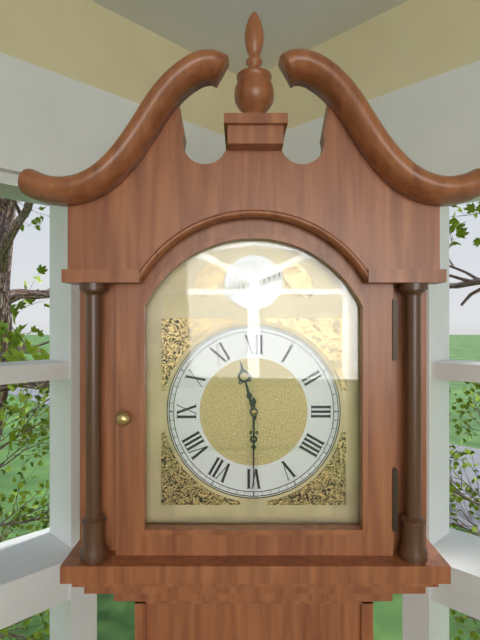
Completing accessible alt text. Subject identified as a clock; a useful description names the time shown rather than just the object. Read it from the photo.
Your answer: 11:30
